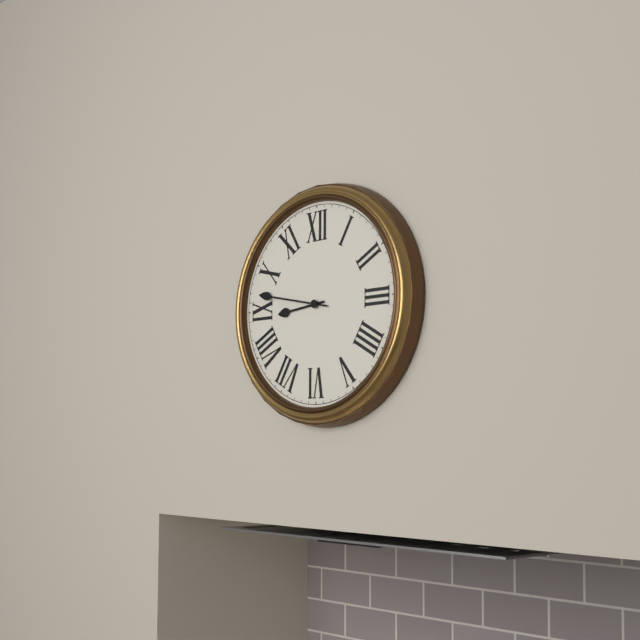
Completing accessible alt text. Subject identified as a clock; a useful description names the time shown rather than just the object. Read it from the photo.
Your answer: 8:47
